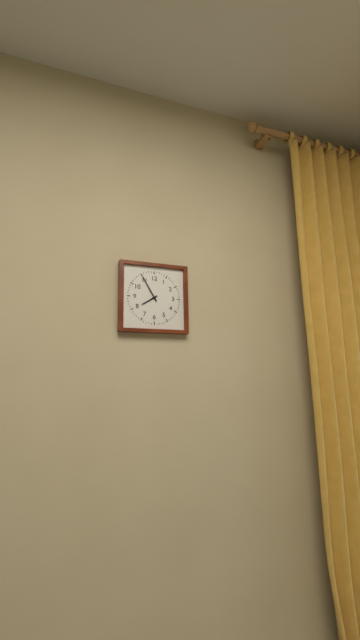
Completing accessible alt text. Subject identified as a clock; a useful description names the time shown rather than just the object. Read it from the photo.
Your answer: 7:55
